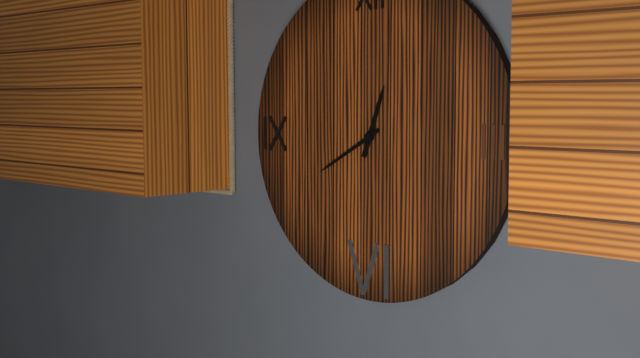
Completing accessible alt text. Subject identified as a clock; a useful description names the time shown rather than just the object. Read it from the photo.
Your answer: 12:40
